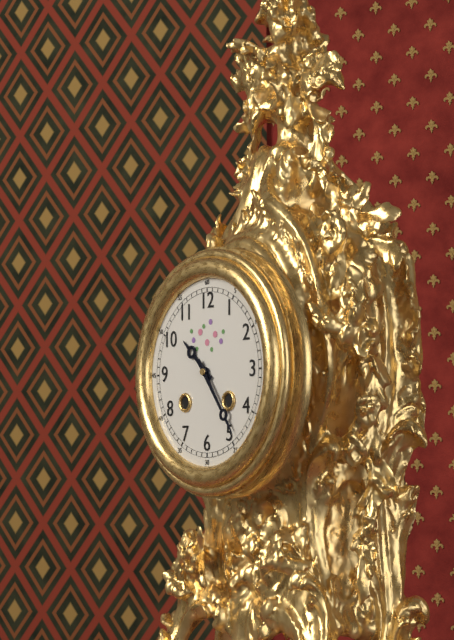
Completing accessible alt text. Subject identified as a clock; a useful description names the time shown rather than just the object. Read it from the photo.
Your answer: 10:24
